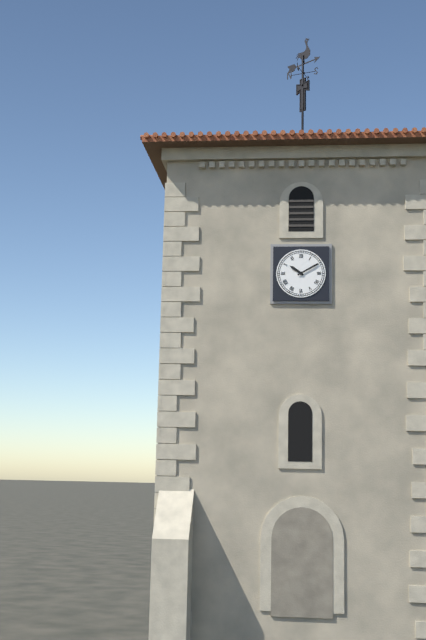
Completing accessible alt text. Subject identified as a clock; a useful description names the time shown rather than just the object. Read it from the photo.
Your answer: 10:10
